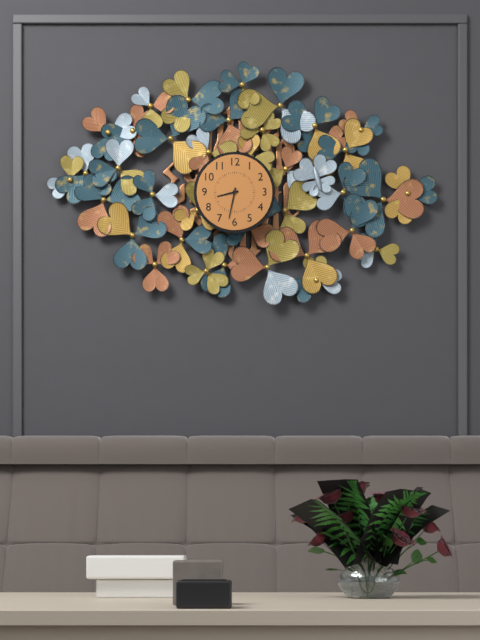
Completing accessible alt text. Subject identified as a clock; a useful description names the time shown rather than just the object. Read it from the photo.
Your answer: 8:32
